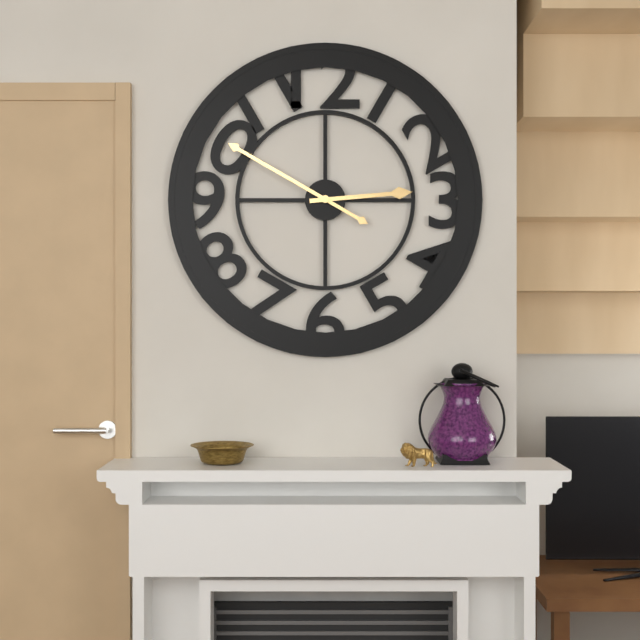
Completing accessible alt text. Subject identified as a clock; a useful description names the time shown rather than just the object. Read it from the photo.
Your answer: 2:50
